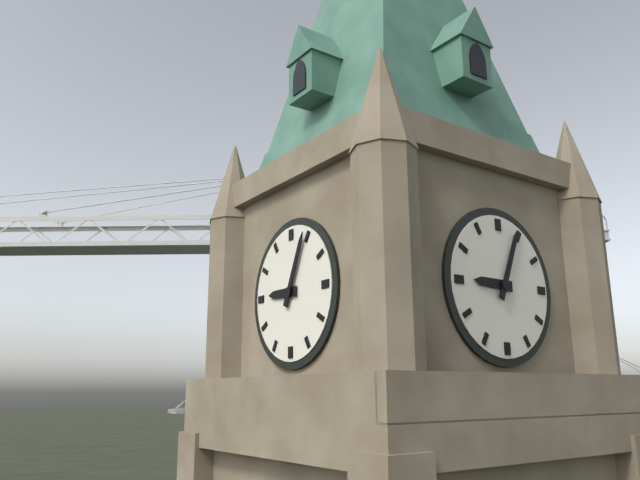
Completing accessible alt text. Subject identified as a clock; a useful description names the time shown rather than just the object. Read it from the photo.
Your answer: 9:04
